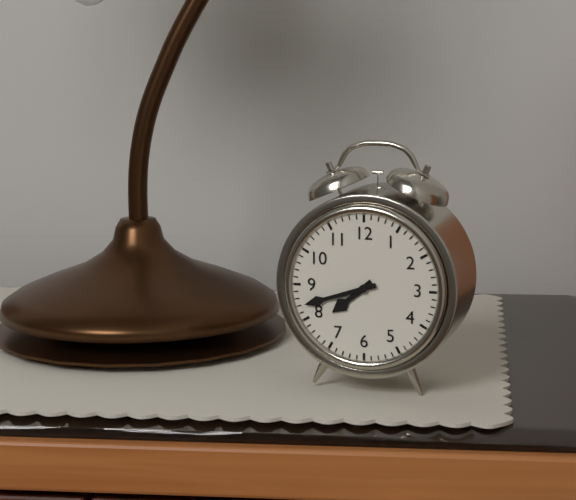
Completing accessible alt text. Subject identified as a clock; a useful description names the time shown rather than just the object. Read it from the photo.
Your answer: 7:42
